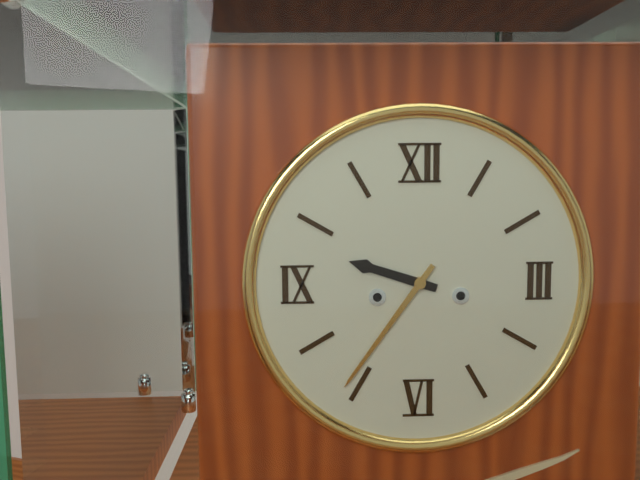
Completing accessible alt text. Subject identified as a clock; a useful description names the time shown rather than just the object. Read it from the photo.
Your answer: 9:36
